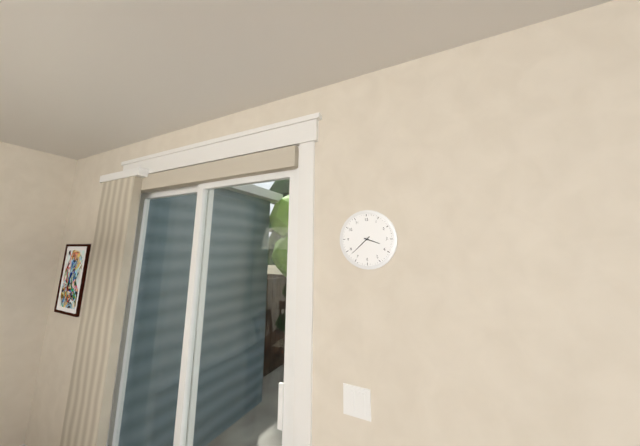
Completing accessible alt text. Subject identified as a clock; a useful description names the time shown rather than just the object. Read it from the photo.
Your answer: 3:38
